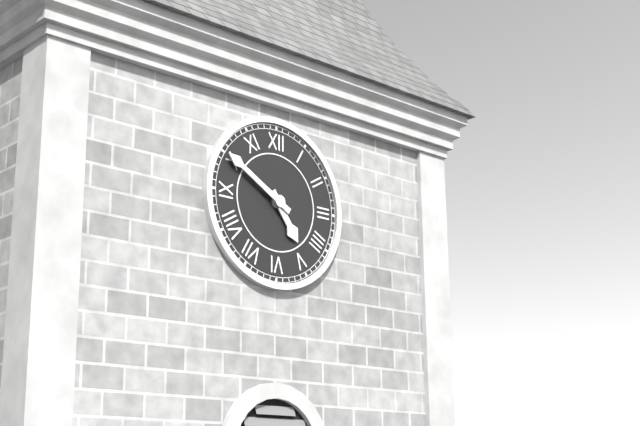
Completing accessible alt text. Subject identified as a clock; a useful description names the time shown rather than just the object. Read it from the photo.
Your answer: 4:50
